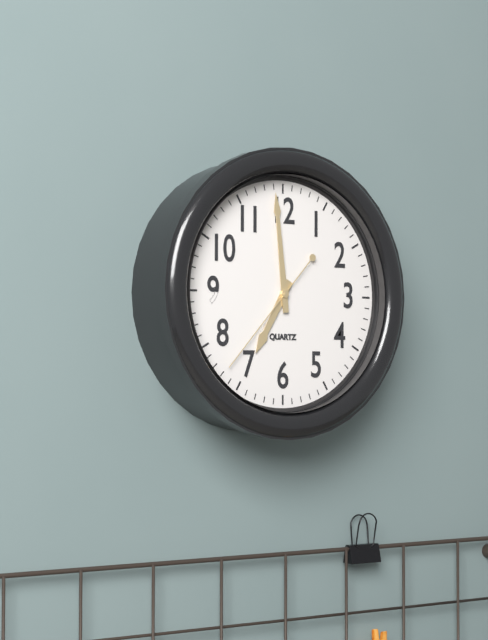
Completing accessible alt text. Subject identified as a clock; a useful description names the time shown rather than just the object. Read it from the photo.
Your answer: 6:59:37
